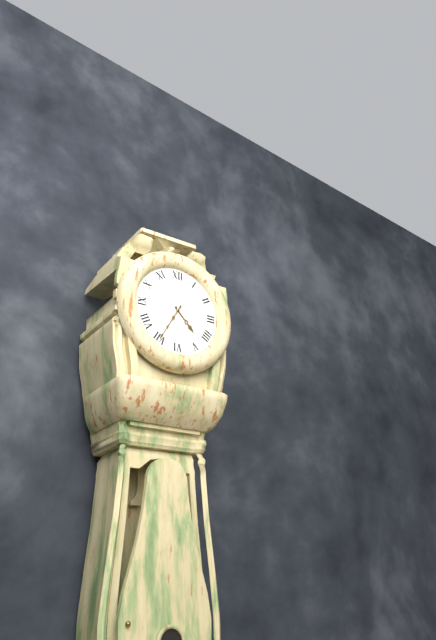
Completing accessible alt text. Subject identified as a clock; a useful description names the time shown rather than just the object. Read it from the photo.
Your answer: 4:35
